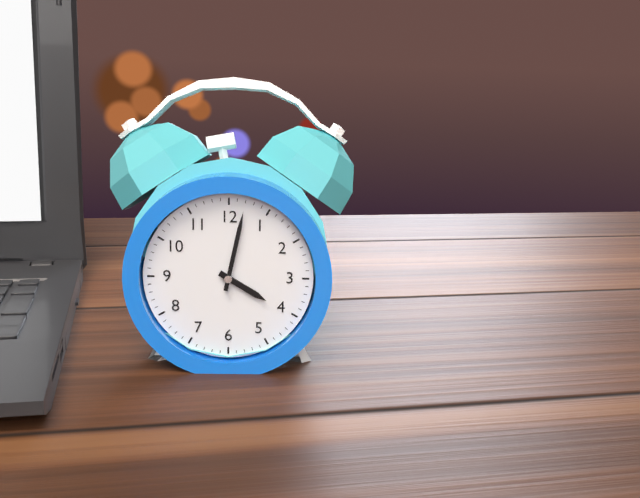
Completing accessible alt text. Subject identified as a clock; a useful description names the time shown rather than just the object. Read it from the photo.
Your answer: 4:02
